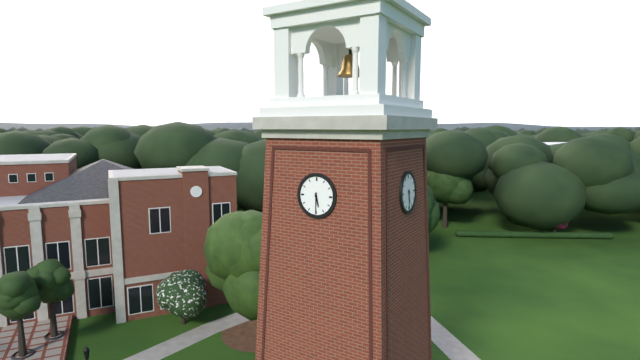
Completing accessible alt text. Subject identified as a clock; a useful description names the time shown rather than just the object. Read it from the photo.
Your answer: 5:30
